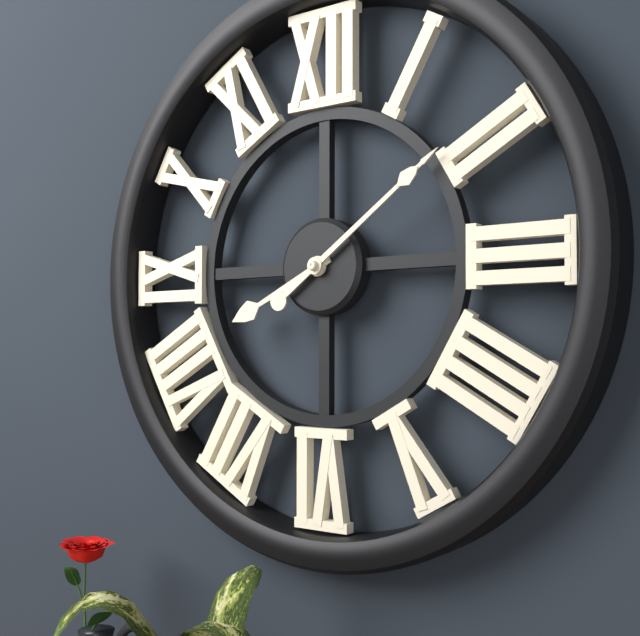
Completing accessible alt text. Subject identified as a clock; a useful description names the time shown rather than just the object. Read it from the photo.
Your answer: 8:09
